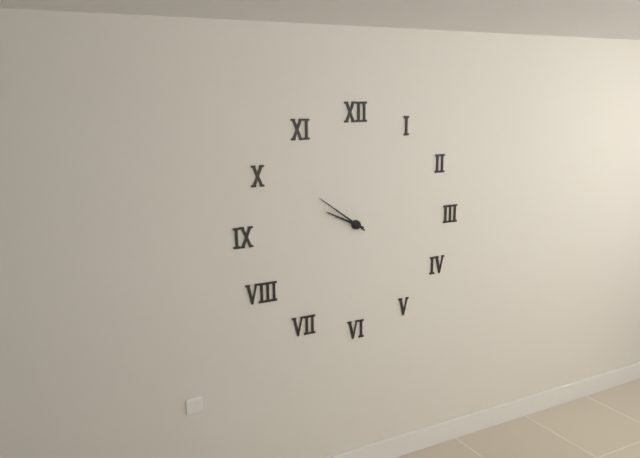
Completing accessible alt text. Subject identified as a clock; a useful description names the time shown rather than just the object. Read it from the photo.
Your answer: 9:51
